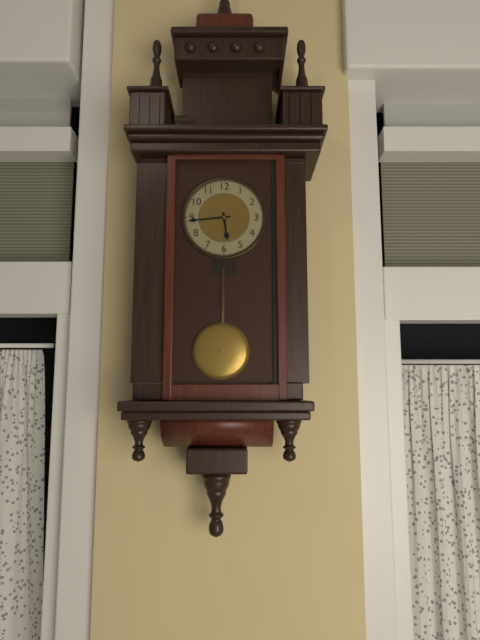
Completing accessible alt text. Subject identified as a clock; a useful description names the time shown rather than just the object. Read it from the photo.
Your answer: 5:44
